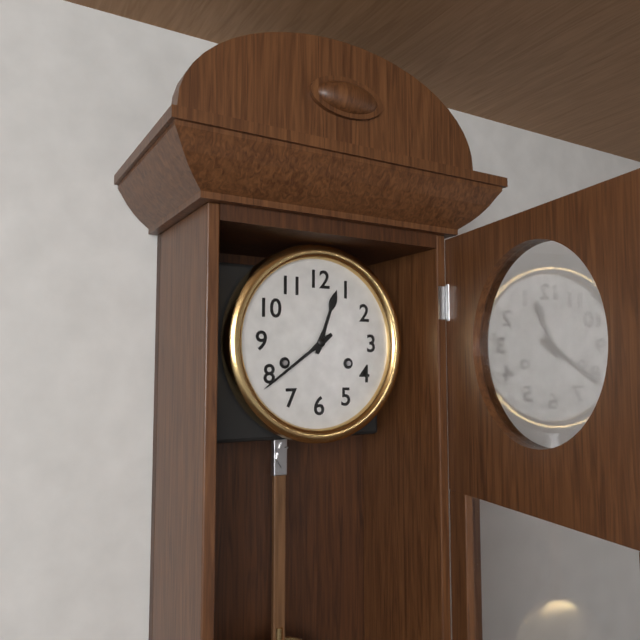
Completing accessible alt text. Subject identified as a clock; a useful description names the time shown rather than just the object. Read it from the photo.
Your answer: 12:39
